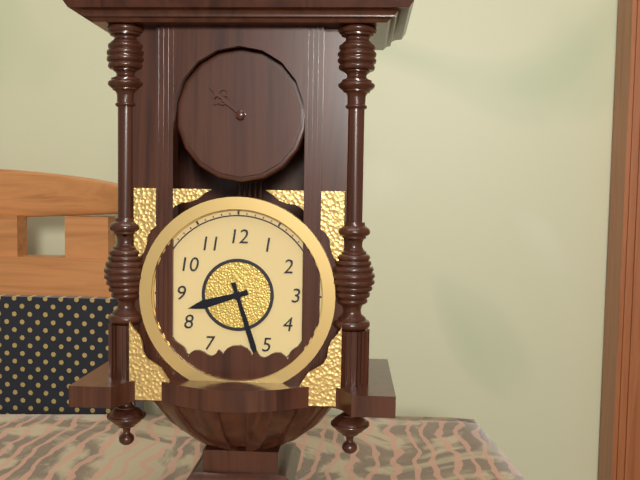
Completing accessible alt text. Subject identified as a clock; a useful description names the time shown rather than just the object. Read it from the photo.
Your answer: 8:27
